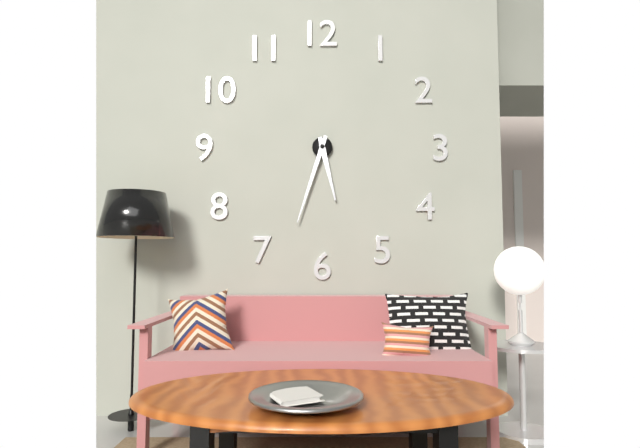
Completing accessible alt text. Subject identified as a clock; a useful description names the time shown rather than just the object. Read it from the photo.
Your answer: 5:33
